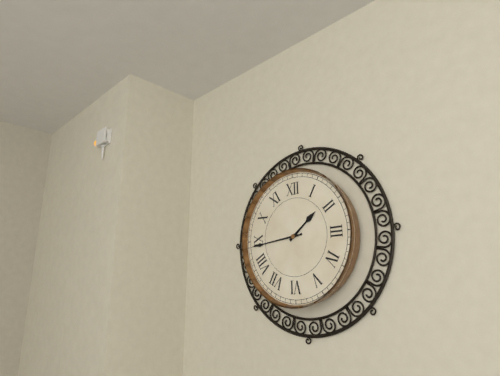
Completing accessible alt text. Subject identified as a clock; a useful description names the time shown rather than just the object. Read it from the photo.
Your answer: 1:44
